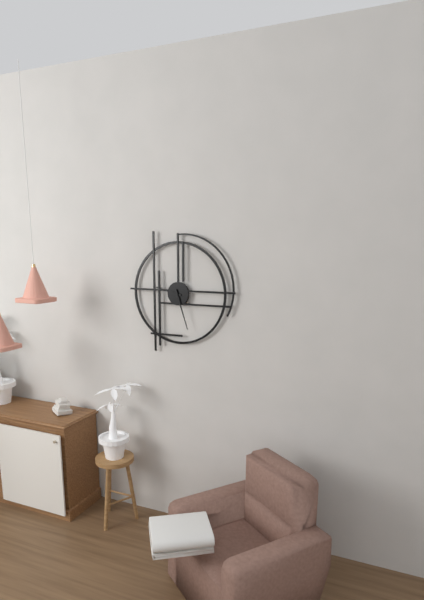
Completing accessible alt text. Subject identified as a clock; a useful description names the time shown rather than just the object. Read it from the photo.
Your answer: 9:27
